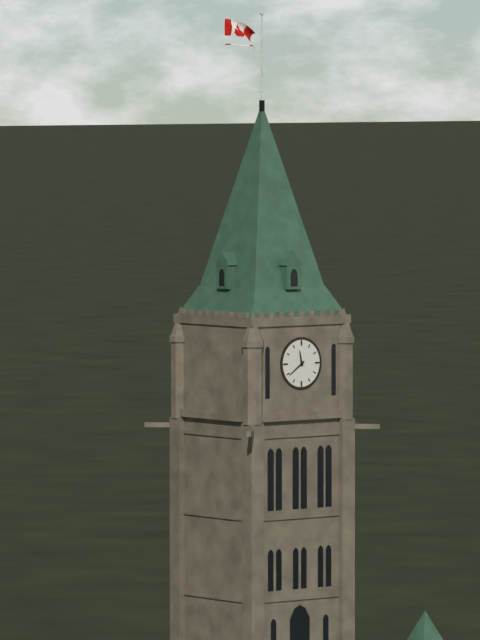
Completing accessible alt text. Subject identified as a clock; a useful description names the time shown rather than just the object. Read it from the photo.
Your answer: 11:39
